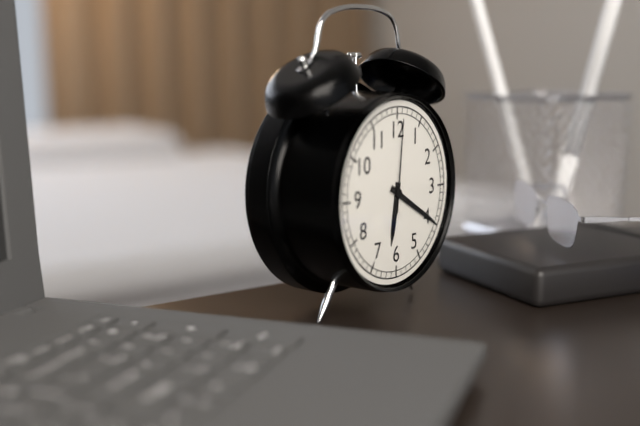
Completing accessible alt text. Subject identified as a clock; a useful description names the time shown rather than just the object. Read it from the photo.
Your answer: 6:20:01
